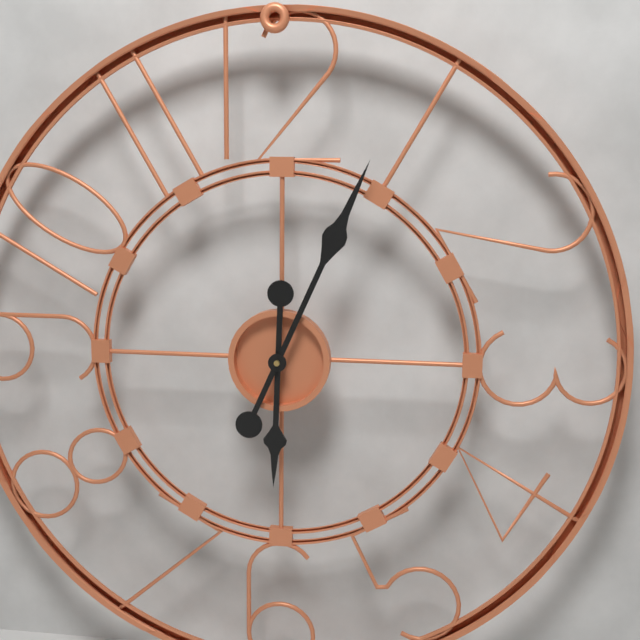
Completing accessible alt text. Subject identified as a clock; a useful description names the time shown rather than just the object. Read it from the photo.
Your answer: 6:04
